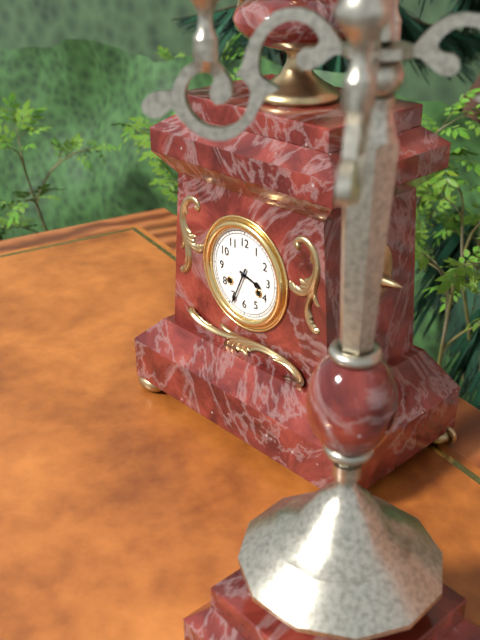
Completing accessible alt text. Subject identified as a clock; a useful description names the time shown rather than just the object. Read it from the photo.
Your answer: 3:34
